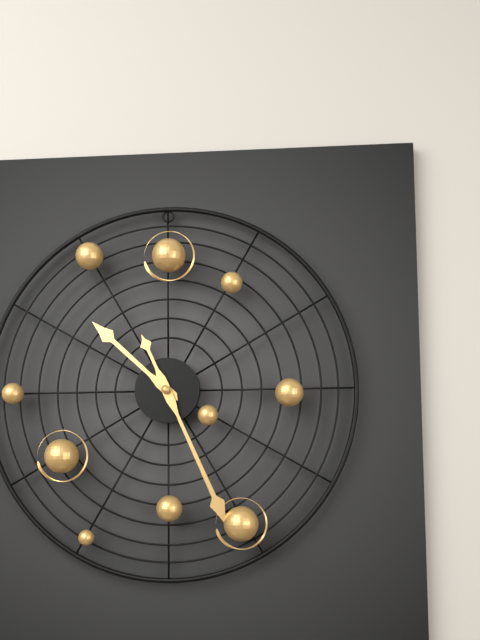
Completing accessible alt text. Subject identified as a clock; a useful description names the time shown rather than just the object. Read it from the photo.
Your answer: 10:26
